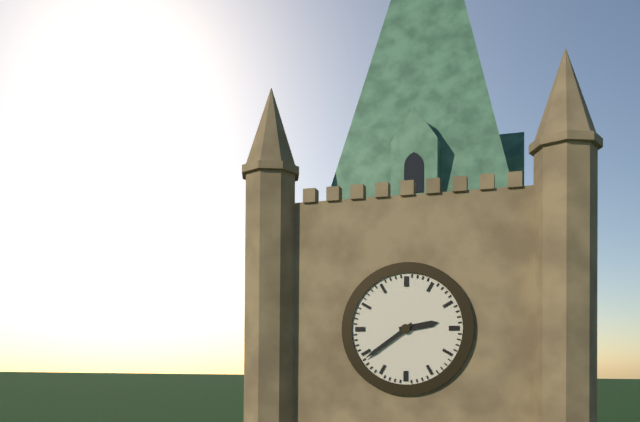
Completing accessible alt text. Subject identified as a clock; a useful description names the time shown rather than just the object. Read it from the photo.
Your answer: 2:39
